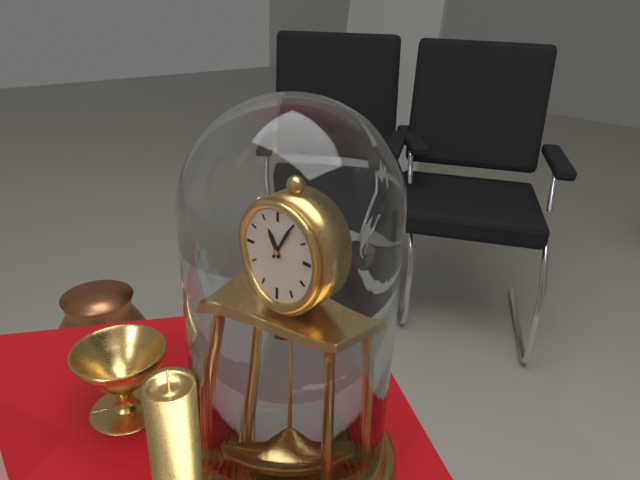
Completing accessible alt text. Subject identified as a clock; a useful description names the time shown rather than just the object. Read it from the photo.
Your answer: 11:05
